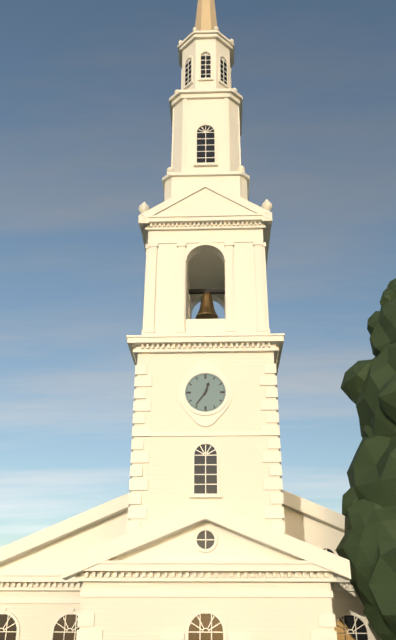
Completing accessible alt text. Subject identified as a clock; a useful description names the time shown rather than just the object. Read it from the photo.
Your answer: 12:36
